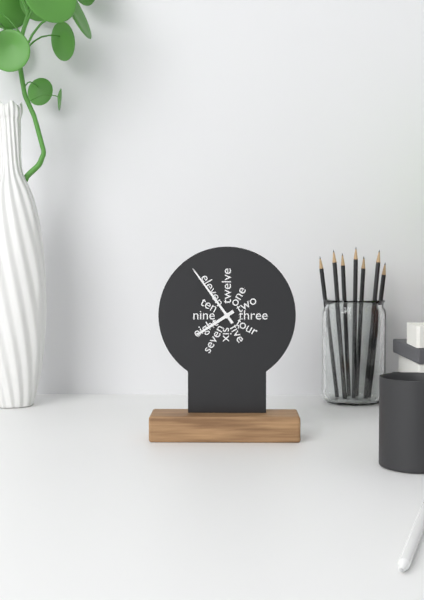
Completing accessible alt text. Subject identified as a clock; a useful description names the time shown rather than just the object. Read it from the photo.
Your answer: 7:54
